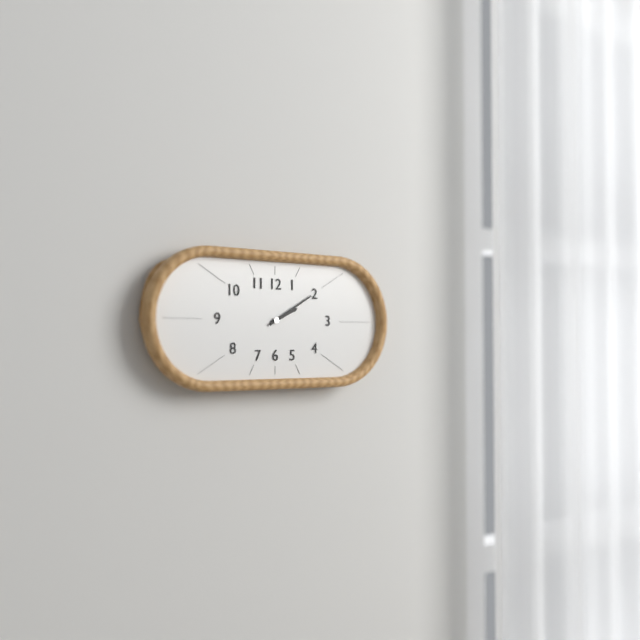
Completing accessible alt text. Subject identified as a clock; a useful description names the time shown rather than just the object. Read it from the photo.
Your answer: 2:10
